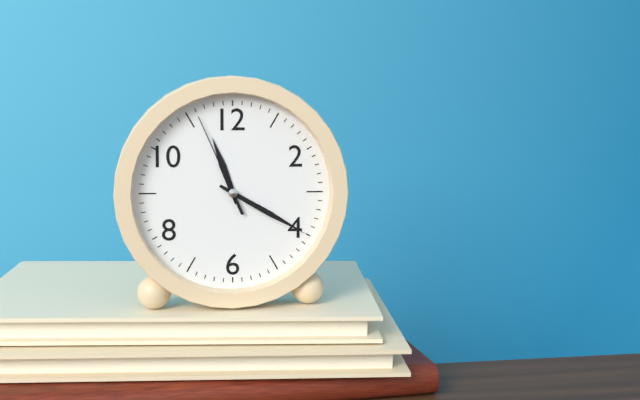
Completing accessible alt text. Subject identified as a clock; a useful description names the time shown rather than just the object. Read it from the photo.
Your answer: 11:20:56
